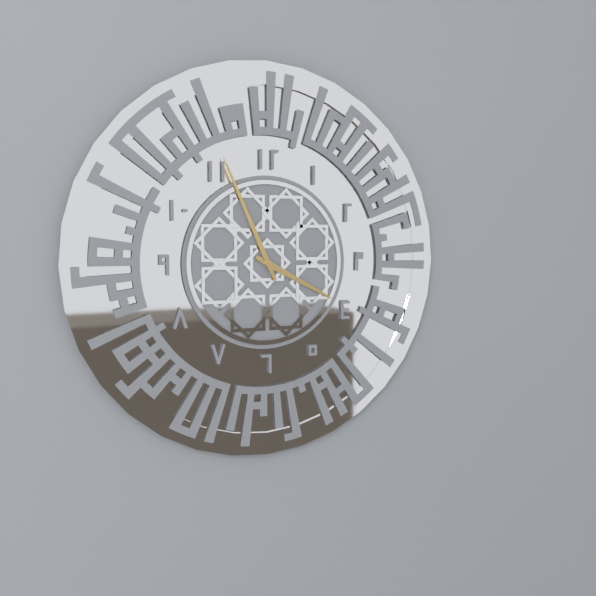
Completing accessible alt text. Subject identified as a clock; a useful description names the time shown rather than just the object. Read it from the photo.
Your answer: 3:56
